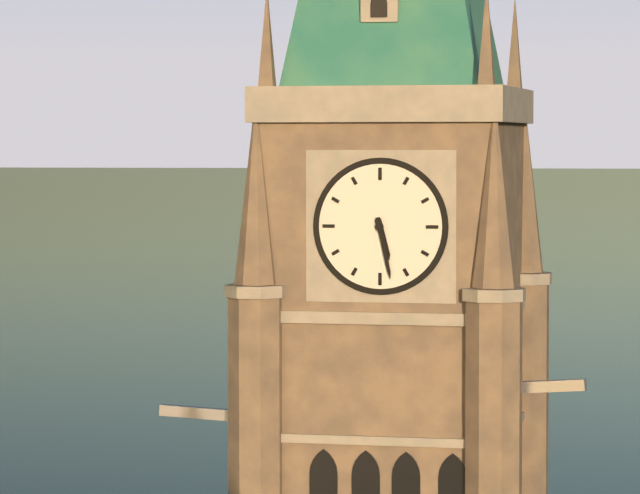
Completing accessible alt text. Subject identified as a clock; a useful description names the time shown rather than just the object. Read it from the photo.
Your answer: 5:28
